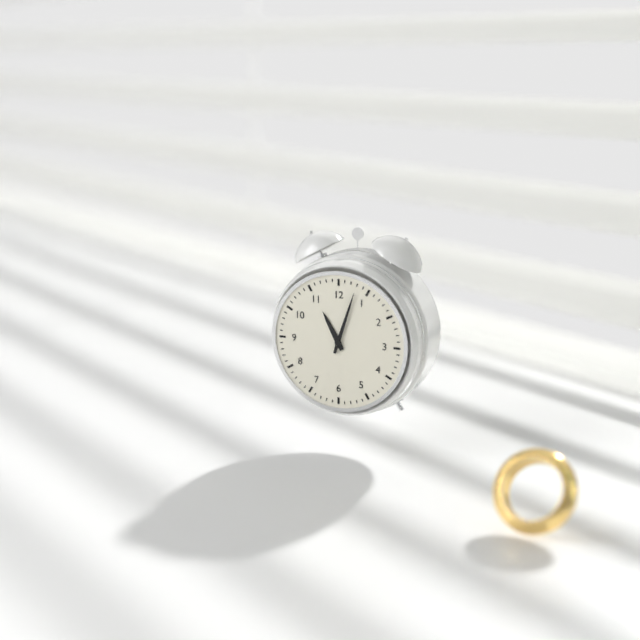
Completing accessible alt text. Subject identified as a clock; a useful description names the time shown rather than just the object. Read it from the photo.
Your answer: 11:03
